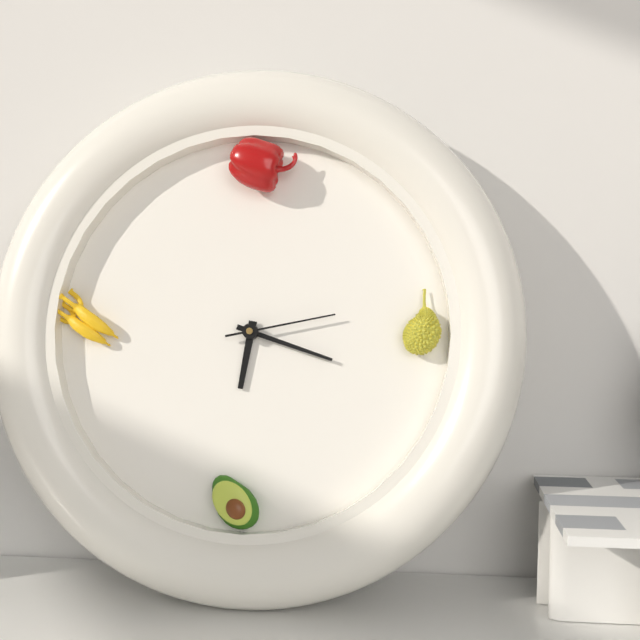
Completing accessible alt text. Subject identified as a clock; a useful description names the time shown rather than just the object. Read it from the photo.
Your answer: 6:18:13
